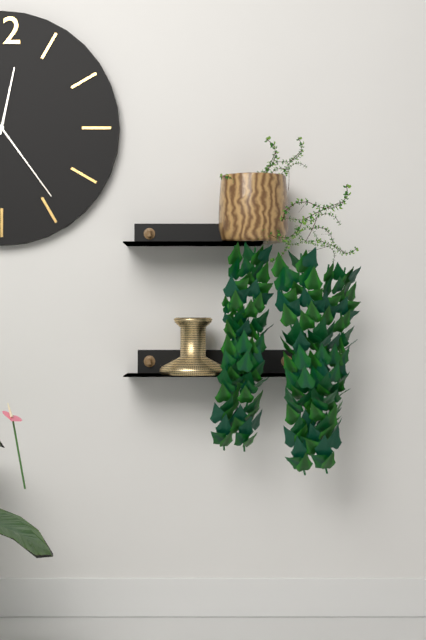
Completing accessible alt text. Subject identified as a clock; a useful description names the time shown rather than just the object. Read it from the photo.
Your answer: 12:24
